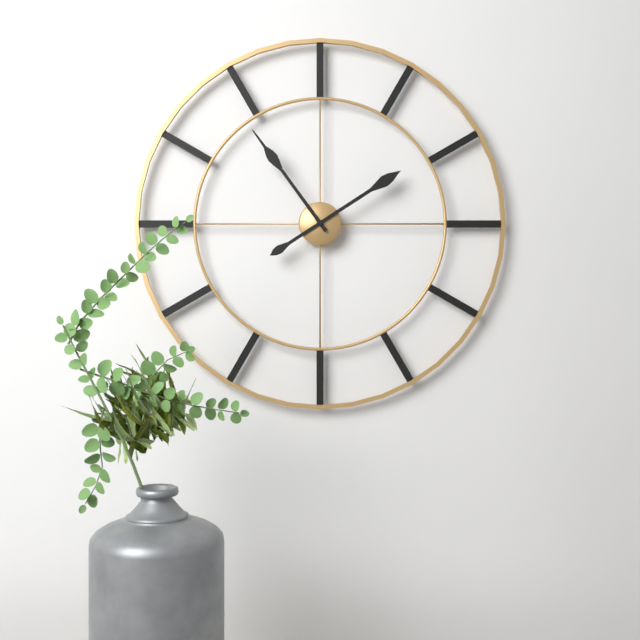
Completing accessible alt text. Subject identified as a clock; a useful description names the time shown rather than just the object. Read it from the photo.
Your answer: 1:54
